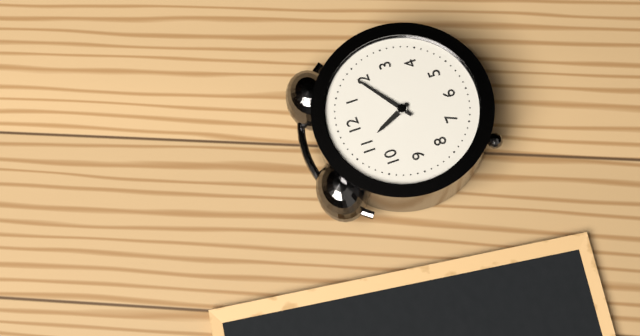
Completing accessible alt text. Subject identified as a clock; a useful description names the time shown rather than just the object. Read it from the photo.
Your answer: 11:09
